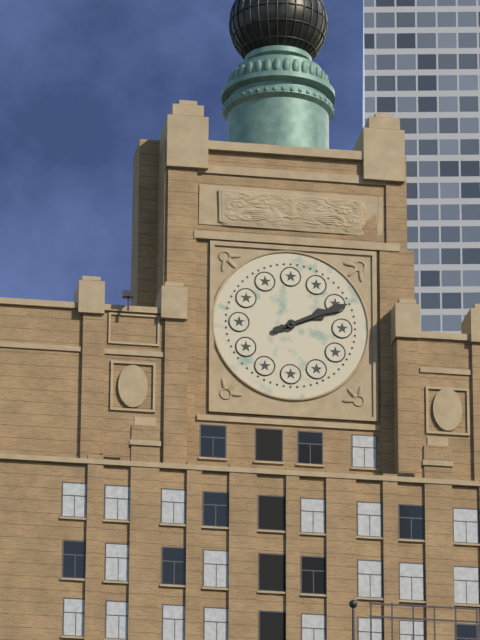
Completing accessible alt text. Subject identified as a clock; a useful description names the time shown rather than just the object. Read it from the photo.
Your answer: 2:11
